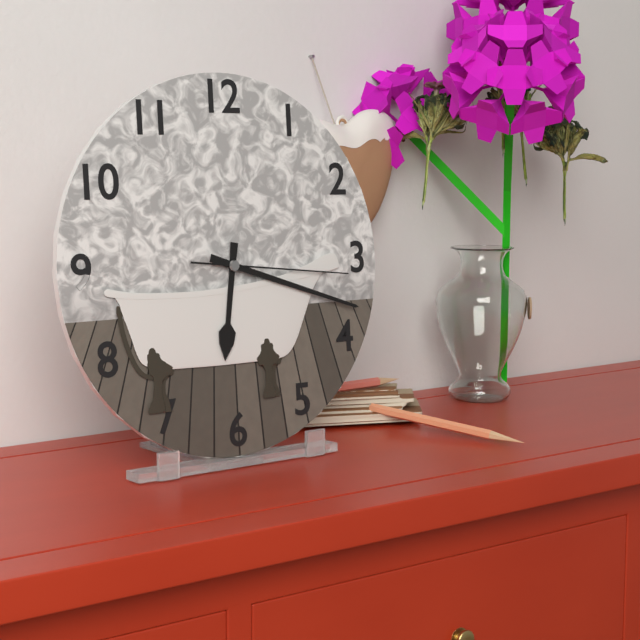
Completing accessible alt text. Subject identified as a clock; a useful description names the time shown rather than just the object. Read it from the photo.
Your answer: 6:18:16
